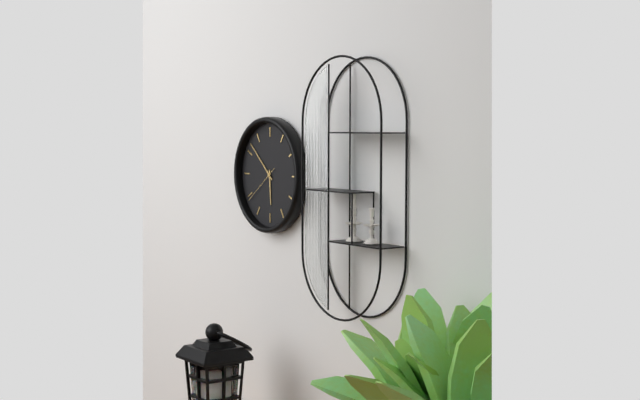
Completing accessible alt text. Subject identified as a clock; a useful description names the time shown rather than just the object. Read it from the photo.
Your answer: 5:52
